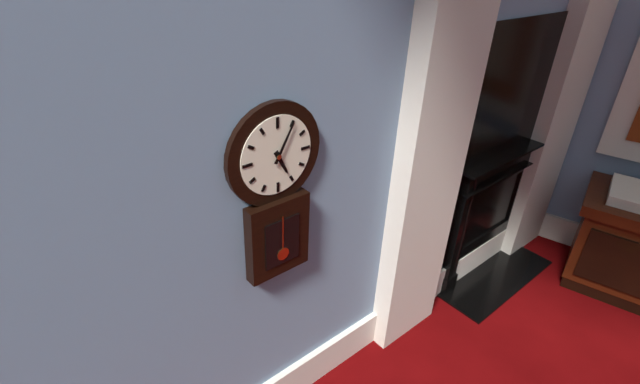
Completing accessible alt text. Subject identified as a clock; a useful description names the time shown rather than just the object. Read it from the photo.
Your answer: 5:05
